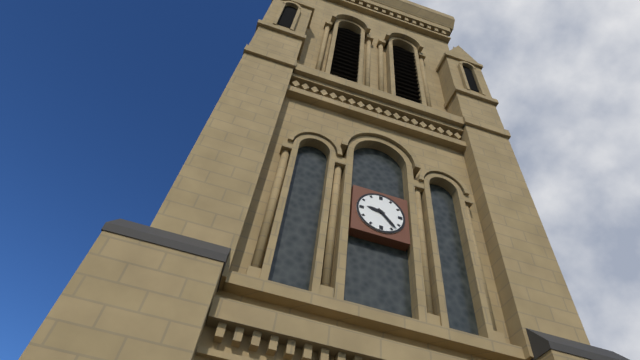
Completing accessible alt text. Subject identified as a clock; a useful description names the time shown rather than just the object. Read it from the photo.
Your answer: 9:23
